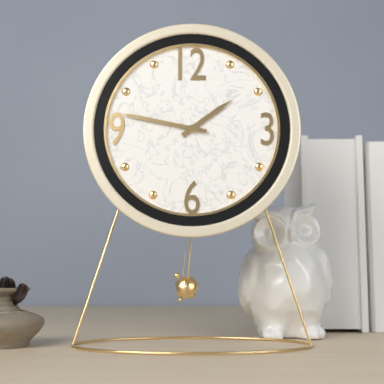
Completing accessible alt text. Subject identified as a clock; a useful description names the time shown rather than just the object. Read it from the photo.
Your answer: 1:47
